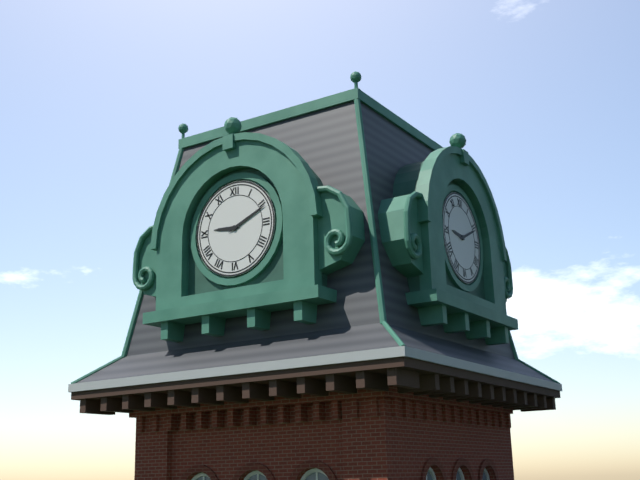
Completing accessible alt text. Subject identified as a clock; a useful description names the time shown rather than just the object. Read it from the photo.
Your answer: 9:11
